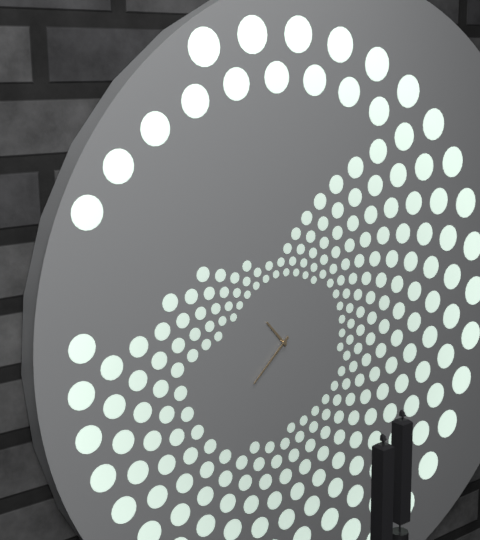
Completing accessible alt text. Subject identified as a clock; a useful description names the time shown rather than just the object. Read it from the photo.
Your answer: 10:38
